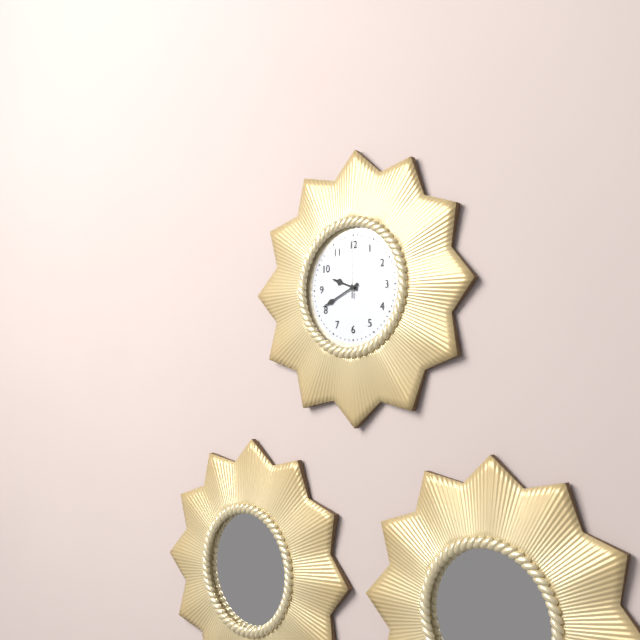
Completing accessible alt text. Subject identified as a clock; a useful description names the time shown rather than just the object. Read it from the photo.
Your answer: 9:41:00
